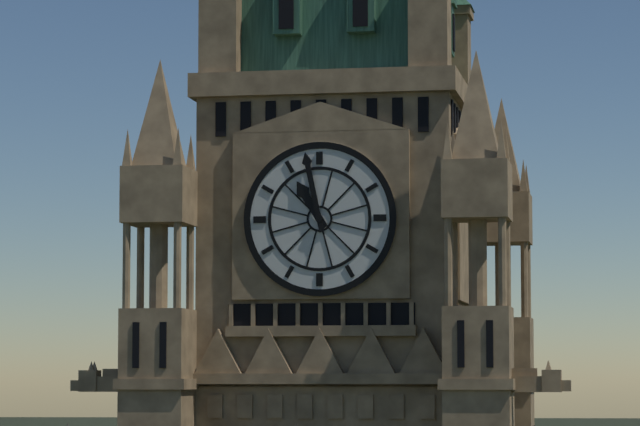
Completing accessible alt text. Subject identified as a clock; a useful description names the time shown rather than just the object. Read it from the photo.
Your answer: 10:58
